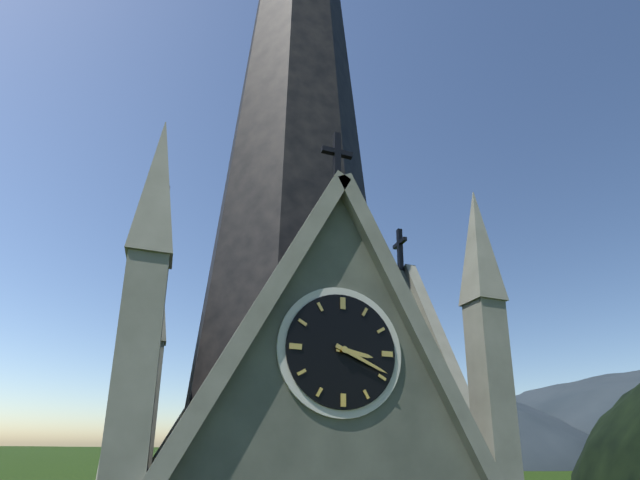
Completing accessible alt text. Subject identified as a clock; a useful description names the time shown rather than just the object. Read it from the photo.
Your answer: 3:19
